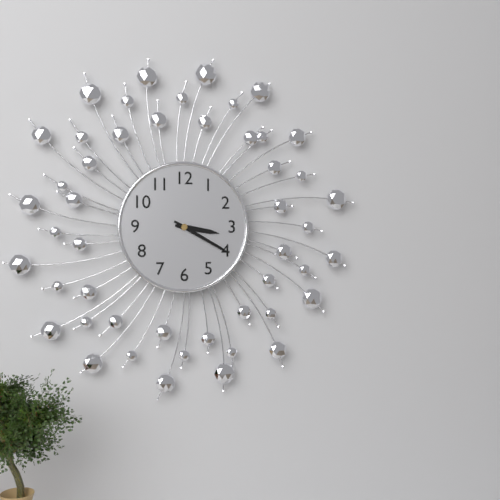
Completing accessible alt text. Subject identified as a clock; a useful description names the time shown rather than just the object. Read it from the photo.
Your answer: 3:20
